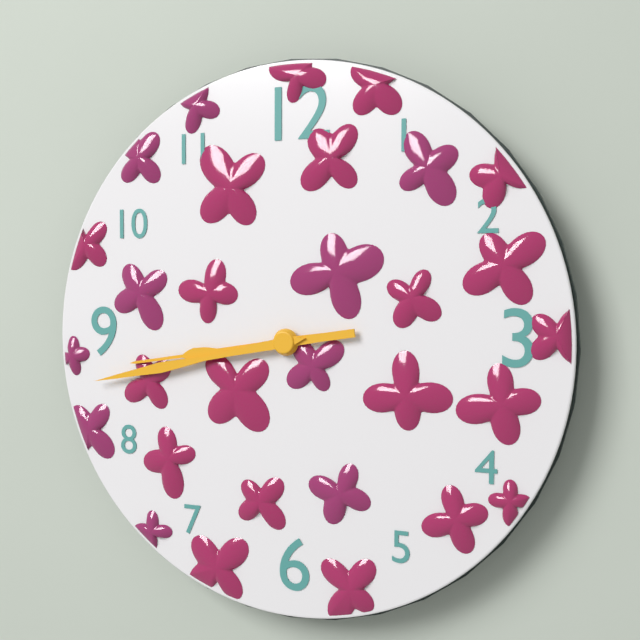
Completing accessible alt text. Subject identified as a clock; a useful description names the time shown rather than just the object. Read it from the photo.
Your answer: 8:43
